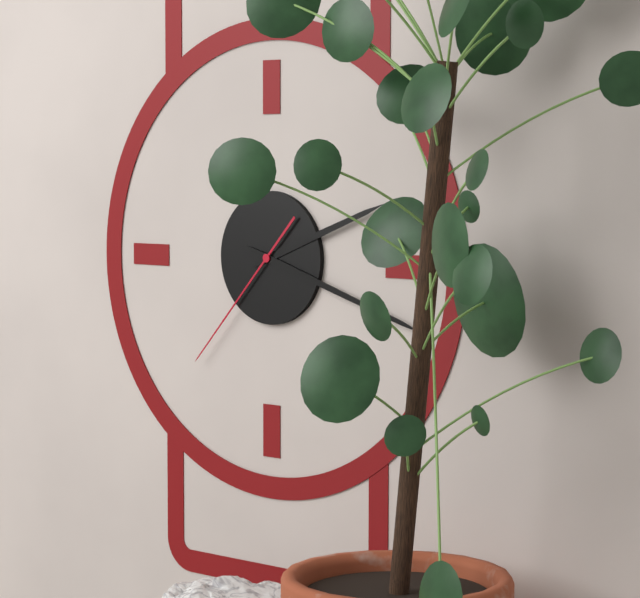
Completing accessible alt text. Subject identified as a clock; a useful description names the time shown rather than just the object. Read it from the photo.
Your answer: 2:18:37
